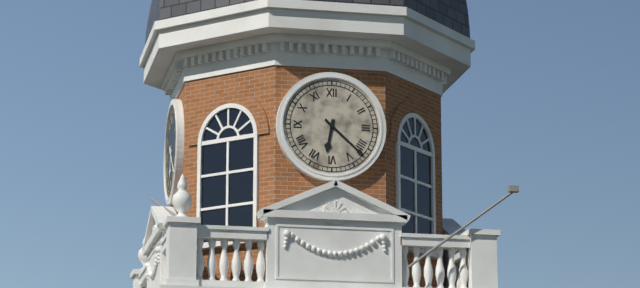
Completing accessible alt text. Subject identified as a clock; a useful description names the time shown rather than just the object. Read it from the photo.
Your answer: 6:22
